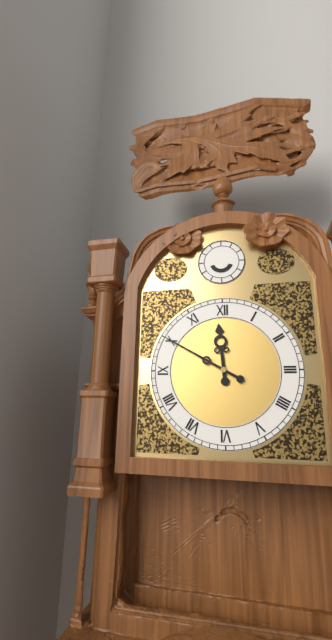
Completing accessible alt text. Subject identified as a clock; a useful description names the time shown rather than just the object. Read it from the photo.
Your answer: 11:50
